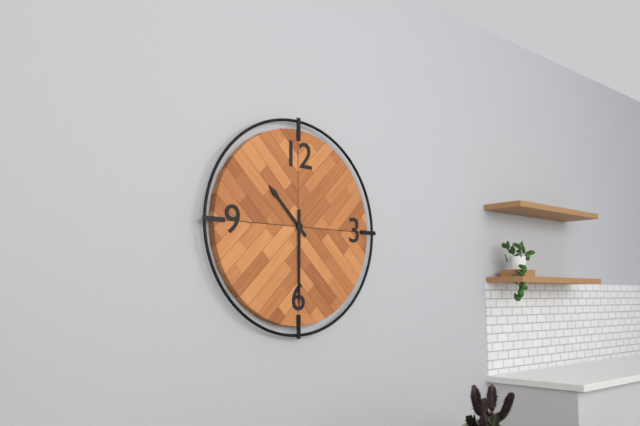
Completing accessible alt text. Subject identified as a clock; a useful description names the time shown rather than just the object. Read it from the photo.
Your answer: 10:30
